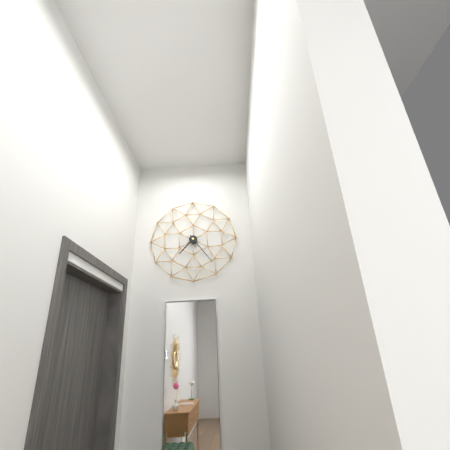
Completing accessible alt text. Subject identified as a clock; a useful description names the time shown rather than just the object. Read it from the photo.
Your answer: 7:24
